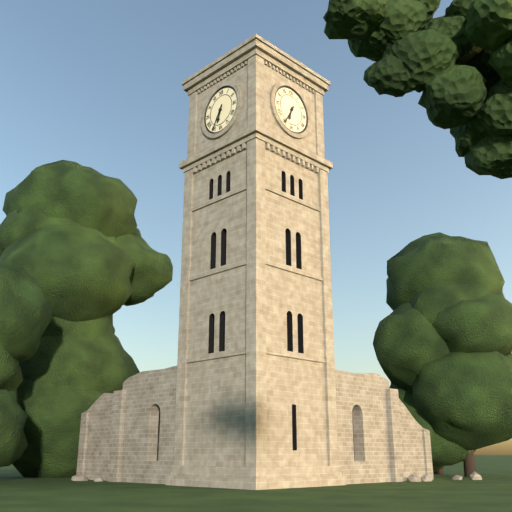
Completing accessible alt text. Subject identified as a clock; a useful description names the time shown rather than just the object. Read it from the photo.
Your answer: 6:35
